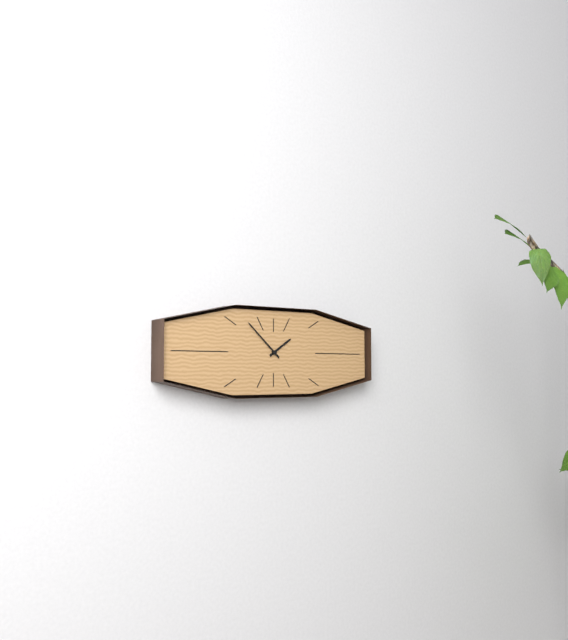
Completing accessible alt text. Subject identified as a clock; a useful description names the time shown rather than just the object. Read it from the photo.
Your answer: 1:52
